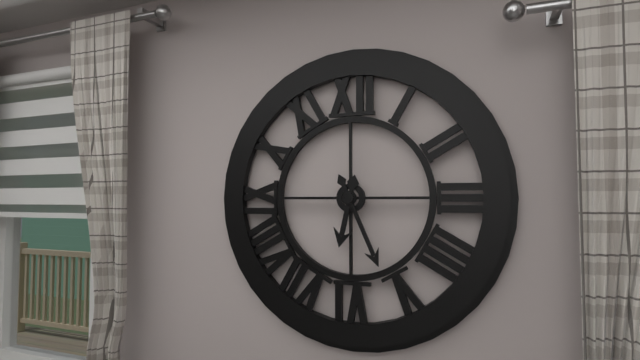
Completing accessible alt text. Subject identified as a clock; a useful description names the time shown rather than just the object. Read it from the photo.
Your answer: 6:26
